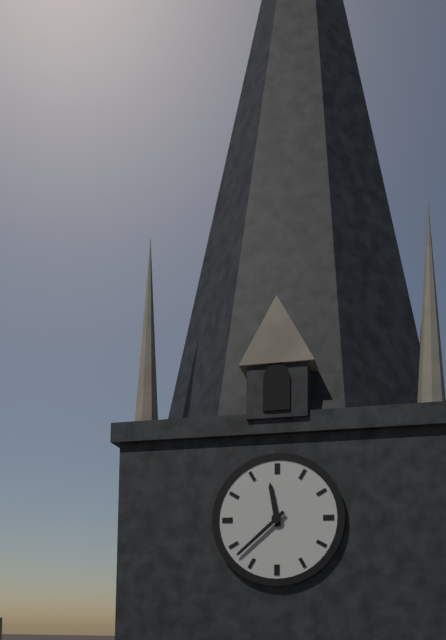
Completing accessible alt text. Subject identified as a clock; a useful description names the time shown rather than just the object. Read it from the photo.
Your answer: 11:38
